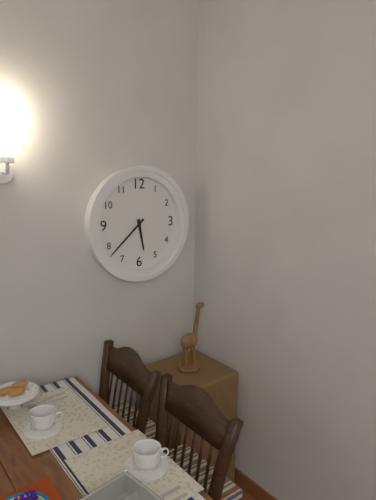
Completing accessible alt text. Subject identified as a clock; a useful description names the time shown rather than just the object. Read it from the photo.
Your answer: 5:38
